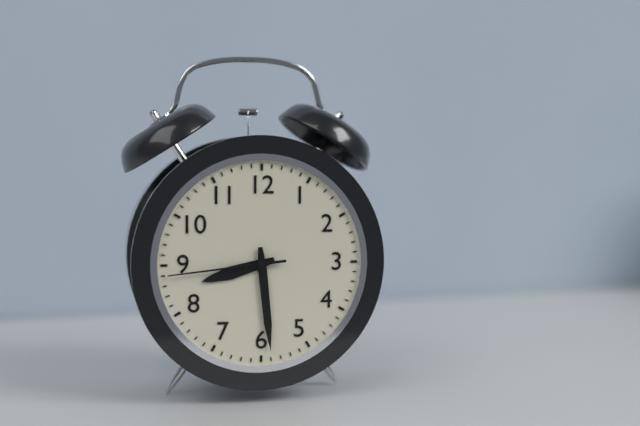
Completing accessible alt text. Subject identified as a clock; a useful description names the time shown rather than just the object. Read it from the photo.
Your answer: 8:29:44
